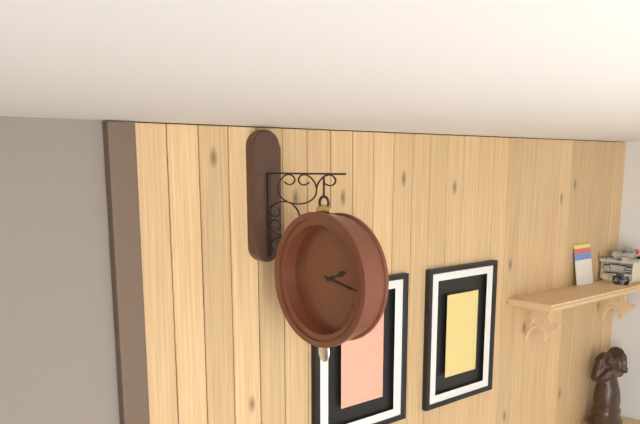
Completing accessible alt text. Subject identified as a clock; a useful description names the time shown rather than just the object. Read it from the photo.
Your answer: 2:17
